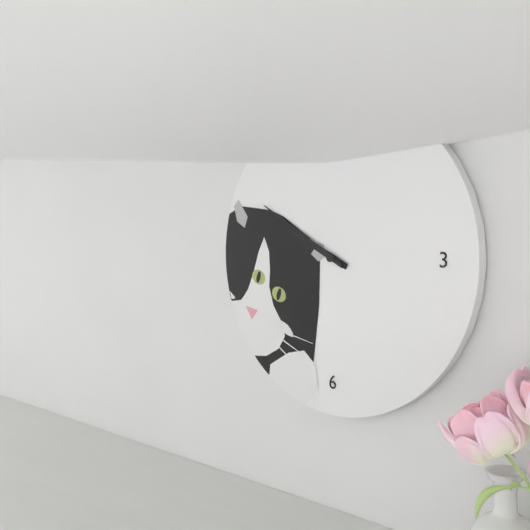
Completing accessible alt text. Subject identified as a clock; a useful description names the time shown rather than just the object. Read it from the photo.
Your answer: 9:50
